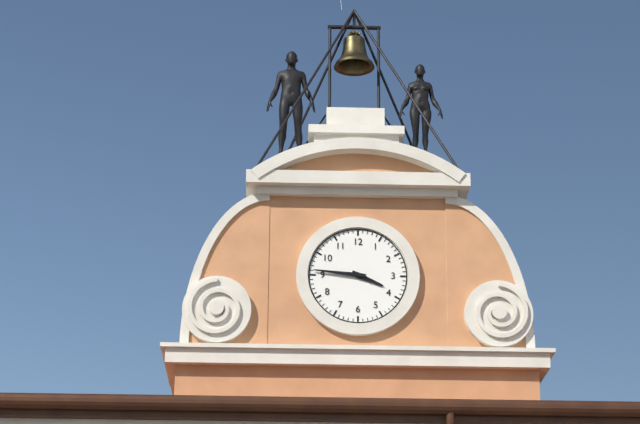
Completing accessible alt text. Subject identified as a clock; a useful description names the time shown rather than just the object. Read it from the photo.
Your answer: 3:46
